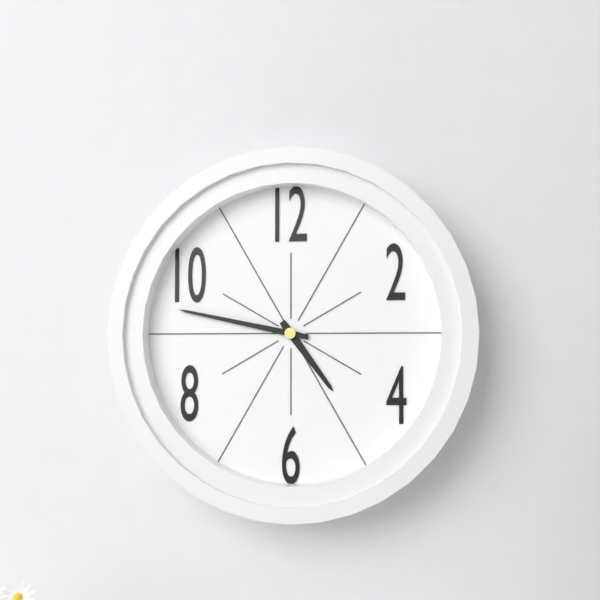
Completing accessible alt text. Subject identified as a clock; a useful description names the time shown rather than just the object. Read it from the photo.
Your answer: 4:47
